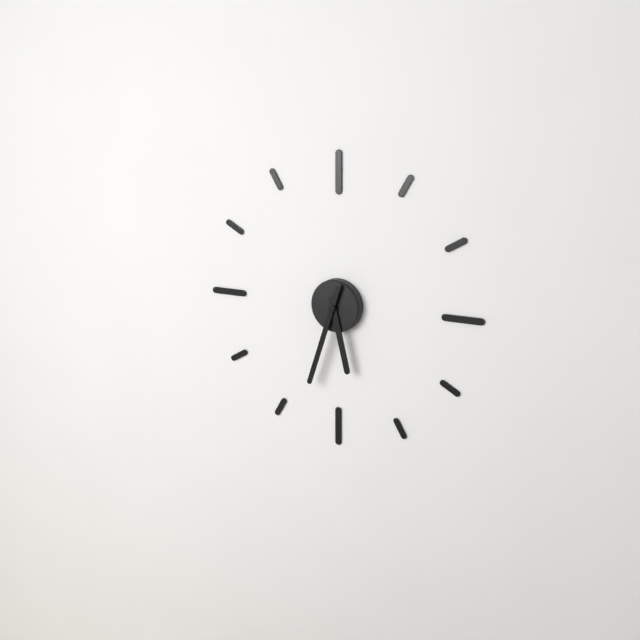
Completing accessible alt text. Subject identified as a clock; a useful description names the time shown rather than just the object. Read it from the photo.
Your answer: 5:33
